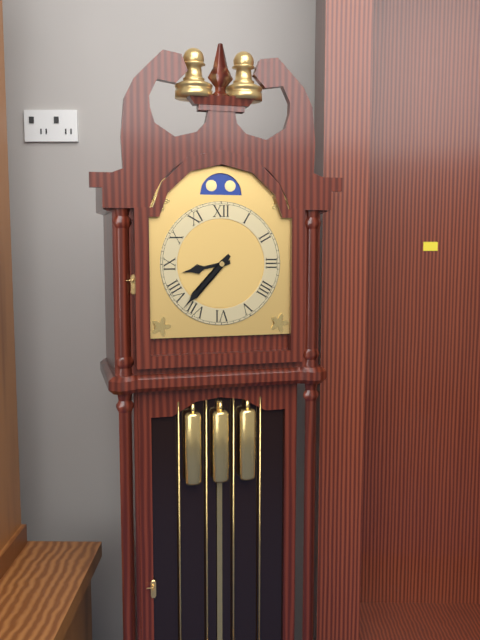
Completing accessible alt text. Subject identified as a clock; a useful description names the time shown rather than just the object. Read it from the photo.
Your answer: 8:37
